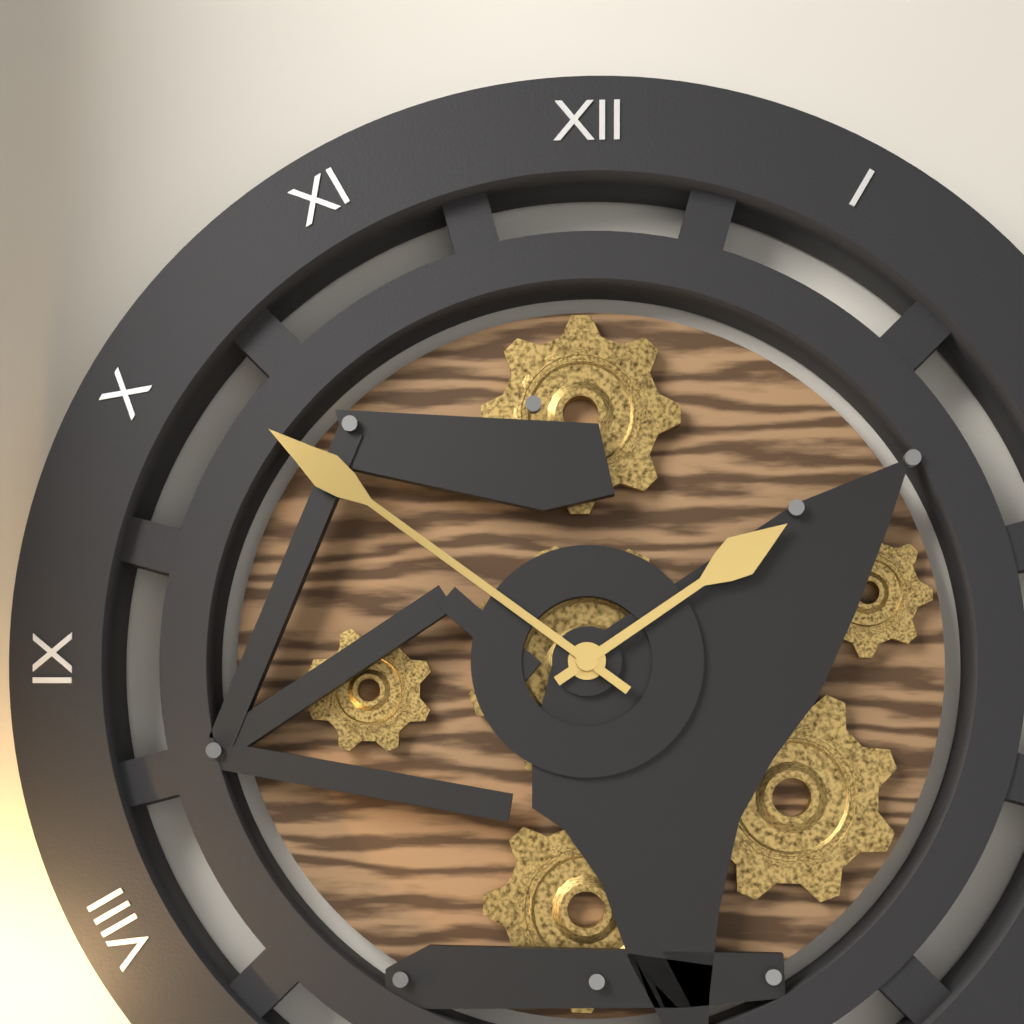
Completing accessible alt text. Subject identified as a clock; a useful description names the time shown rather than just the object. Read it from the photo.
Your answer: 1:51
